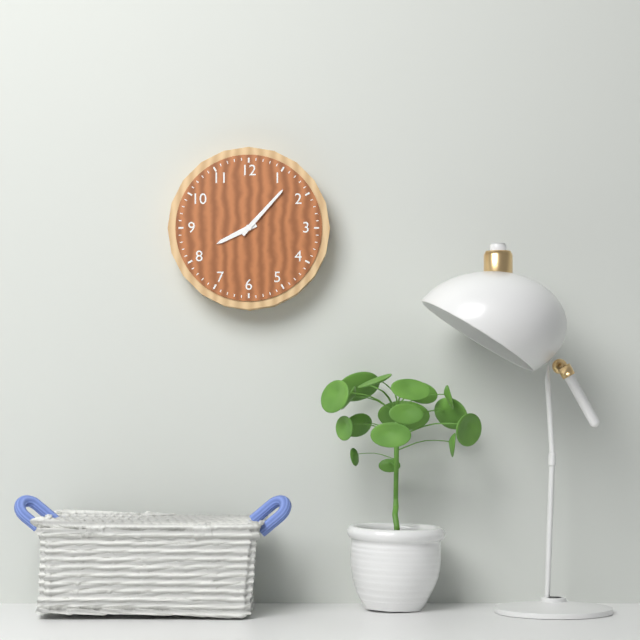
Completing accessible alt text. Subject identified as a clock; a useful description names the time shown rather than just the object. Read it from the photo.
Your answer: 8:07
